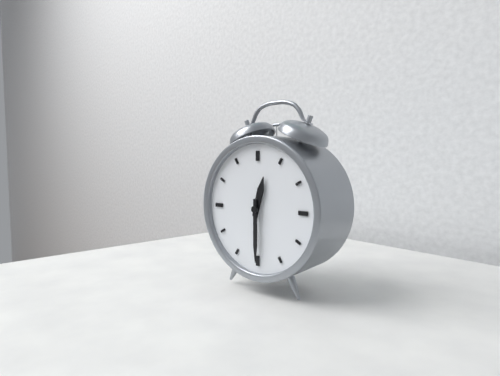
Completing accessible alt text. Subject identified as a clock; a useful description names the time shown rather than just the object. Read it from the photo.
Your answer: 12:30
